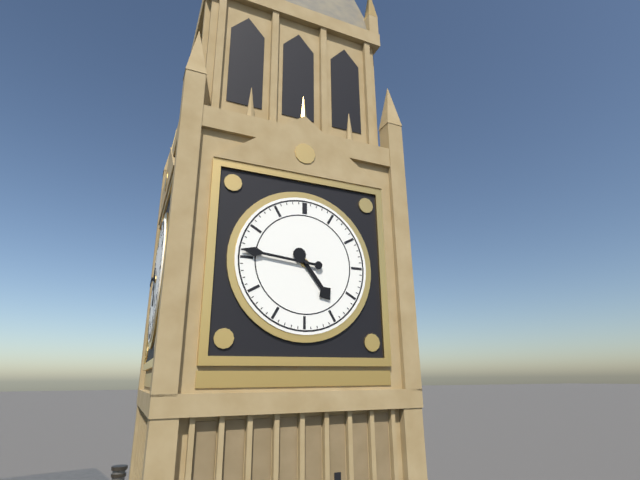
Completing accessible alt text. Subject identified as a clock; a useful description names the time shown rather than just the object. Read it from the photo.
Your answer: 4:46
